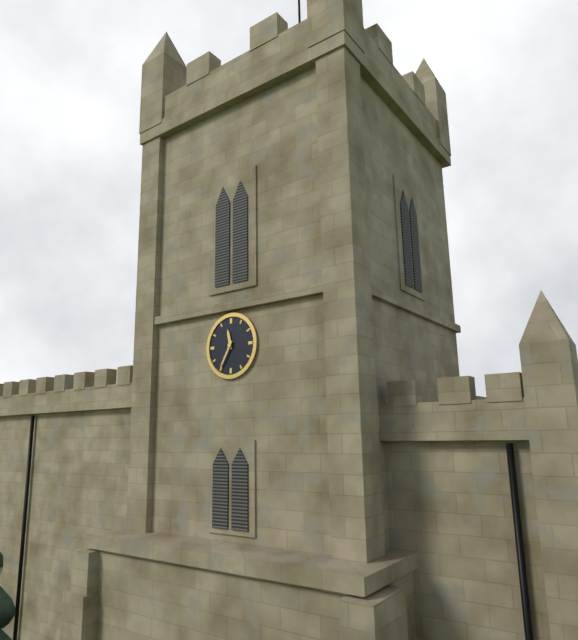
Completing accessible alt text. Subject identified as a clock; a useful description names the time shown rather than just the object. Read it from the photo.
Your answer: 11:35
